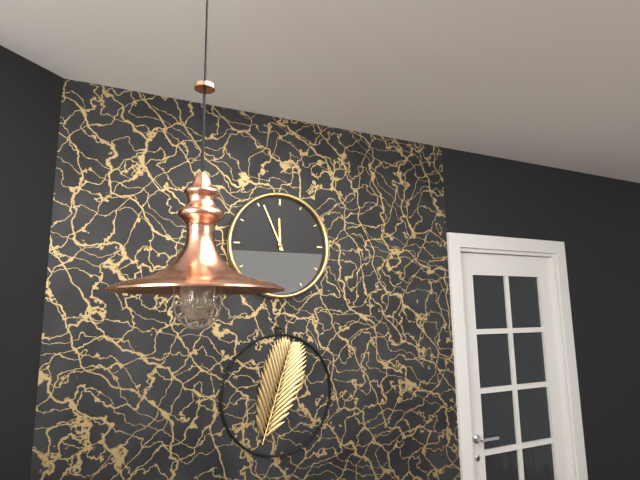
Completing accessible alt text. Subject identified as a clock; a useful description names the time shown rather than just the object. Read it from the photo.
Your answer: 11:56
